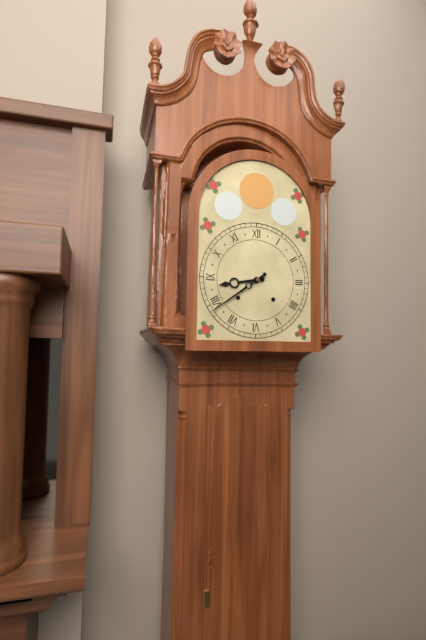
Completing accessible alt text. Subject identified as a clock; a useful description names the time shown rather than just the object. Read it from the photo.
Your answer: 8:39
